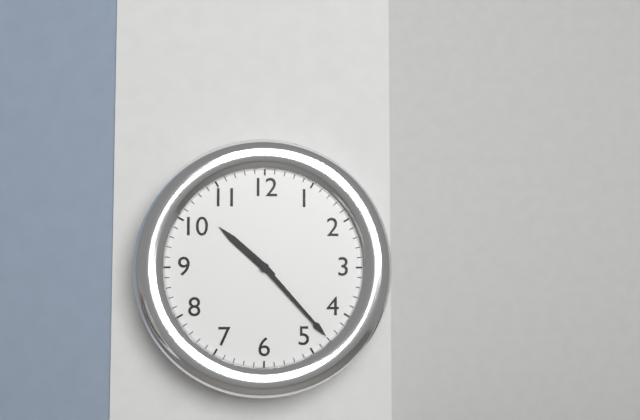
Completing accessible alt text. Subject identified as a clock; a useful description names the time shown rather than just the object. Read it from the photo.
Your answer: 10:23
